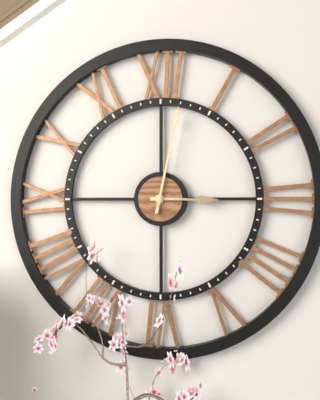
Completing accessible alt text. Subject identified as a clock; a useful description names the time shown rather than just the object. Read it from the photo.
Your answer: 3:02
